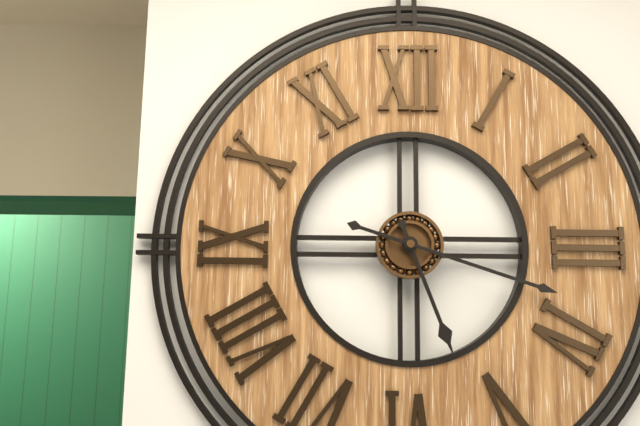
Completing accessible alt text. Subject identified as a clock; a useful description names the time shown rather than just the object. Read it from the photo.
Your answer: 5:18
